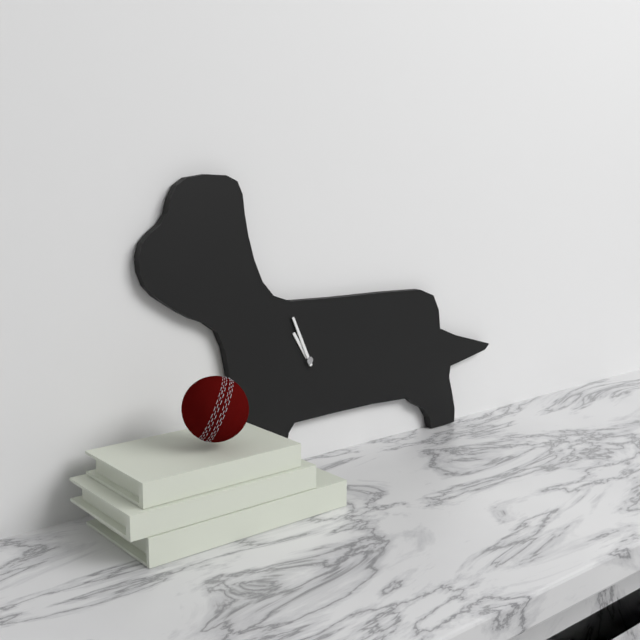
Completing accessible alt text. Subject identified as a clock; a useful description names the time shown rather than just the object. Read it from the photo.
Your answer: 10:56
